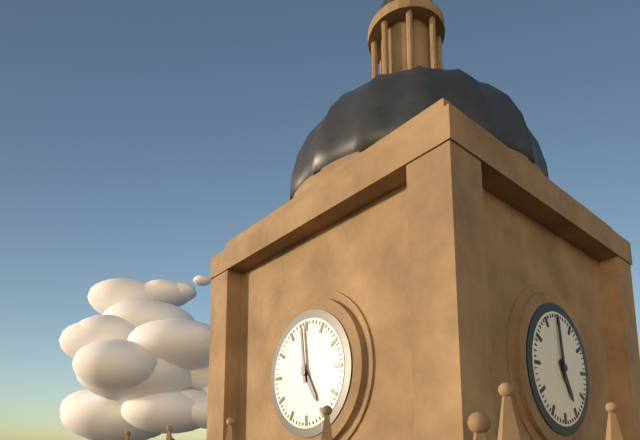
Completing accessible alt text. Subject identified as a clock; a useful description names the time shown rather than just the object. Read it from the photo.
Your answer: 4:59
